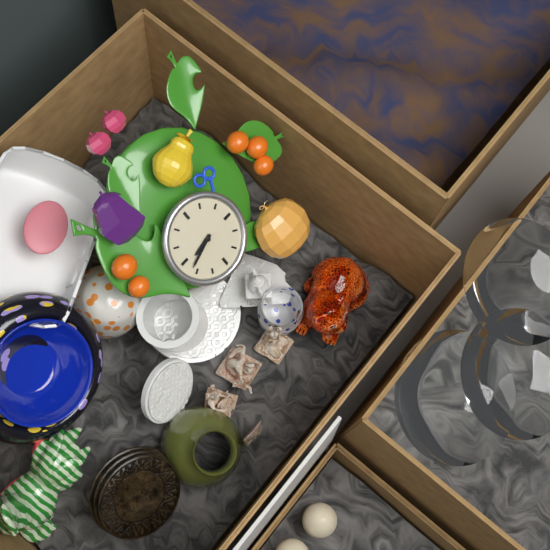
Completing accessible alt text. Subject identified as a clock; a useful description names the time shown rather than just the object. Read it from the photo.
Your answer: 8:42
